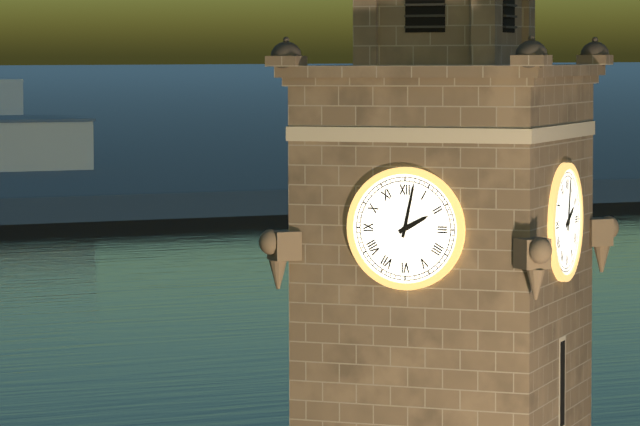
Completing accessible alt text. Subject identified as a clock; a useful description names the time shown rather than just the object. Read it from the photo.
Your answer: 2:02
